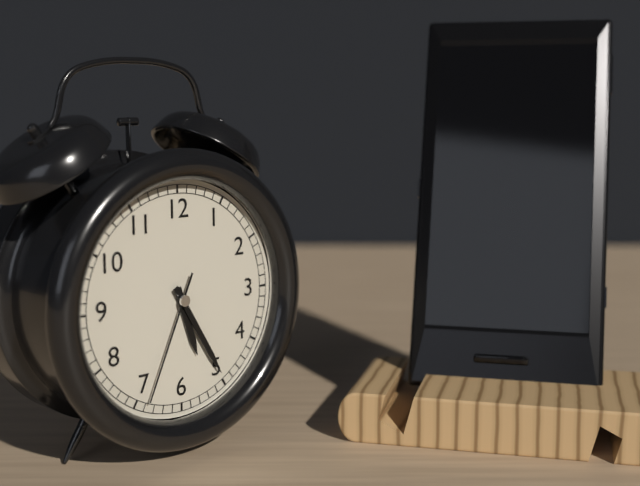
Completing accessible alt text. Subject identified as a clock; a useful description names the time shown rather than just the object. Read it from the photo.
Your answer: 5:25:34
